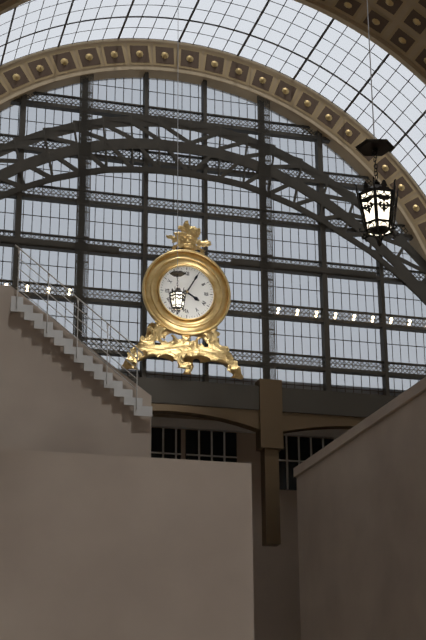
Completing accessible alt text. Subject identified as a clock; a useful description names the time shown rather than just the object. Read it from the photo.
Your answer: 4:05
